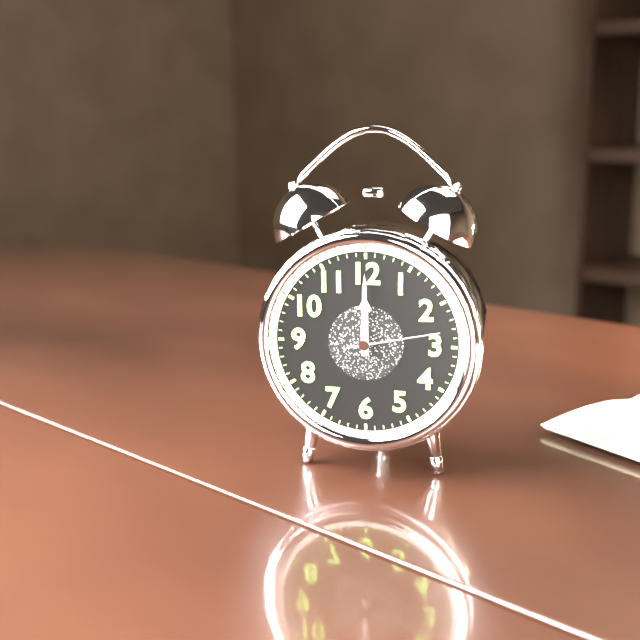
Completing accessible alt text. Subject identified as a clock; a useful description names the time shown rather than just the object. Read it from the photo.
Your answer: 12:00:13
